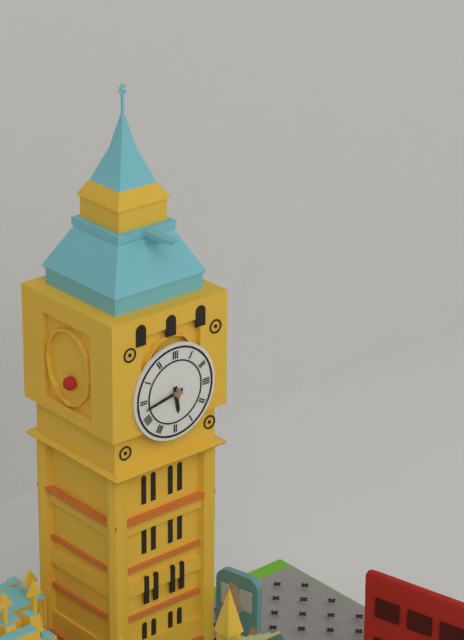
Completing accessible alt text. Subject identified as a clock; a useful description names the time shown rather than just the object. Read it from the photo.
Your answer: 5:43
